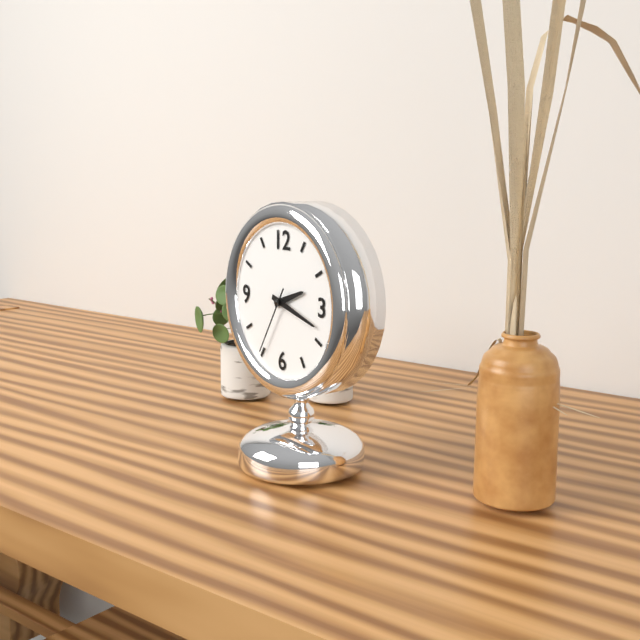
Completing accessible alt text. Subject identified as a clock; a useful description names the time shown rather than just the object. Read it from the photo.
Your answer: 2:18:35
